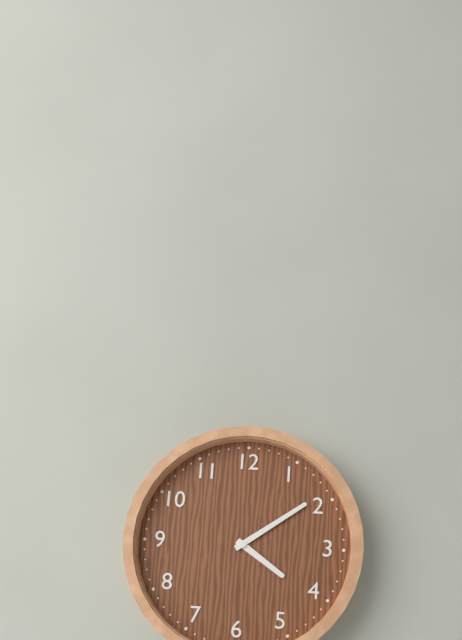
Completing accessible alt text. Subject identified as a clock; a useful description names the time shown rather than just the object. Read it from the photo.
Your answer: 4:09
